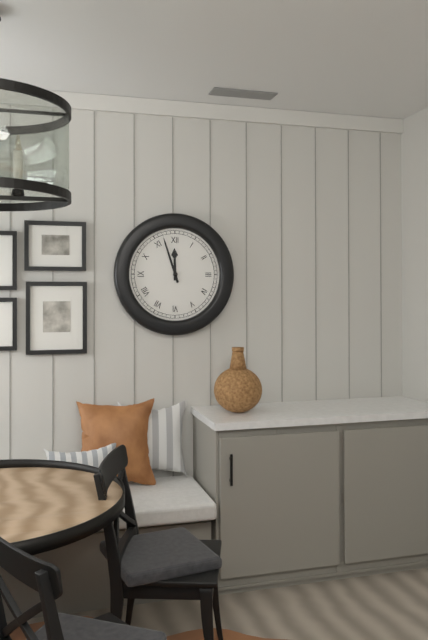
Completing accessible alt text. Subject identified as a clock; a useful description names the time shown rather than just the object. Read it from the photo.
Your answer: 11:57
